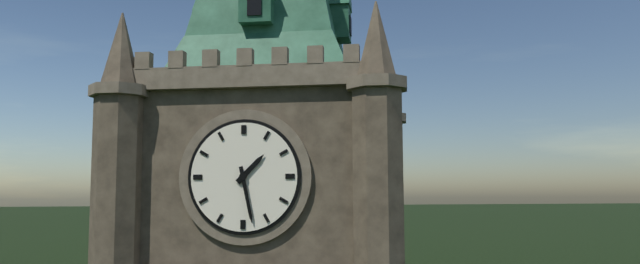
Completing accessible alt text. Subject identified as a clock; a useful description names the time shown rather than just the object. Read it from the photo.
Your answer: 1:28
